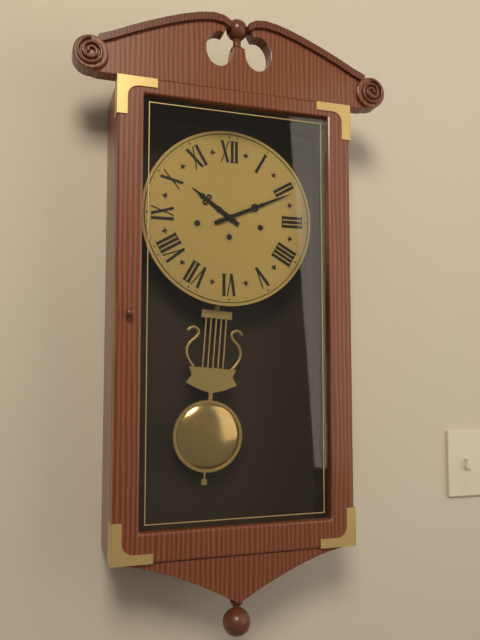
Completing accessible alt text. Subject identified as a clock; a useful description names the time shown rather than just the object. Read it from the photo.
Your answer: 10:11
